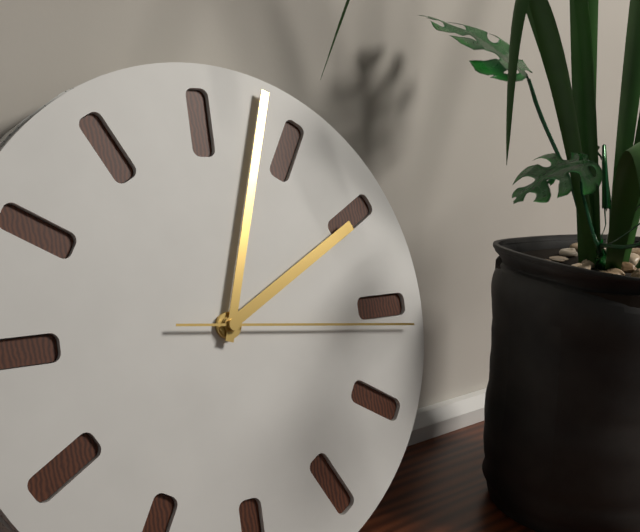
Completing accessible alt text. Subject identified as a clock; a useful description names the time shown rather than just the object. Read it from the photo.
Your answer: 2:03:16
